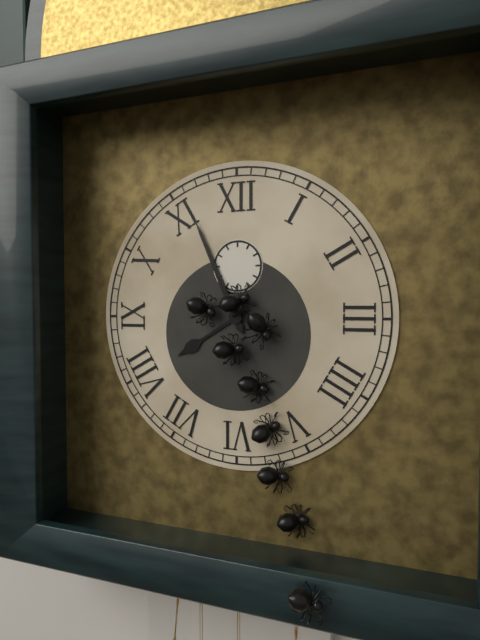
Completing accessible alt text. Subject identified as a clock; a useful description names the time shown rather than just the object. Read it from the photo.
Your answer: 7:56
